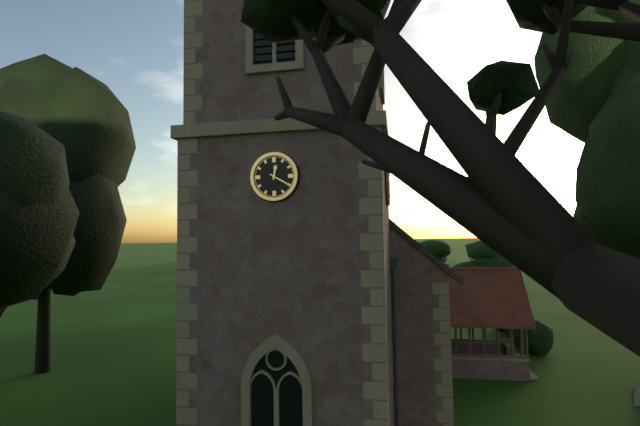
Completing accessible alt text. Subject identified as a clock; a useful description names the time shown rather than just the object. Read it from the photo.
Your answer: 12:20
